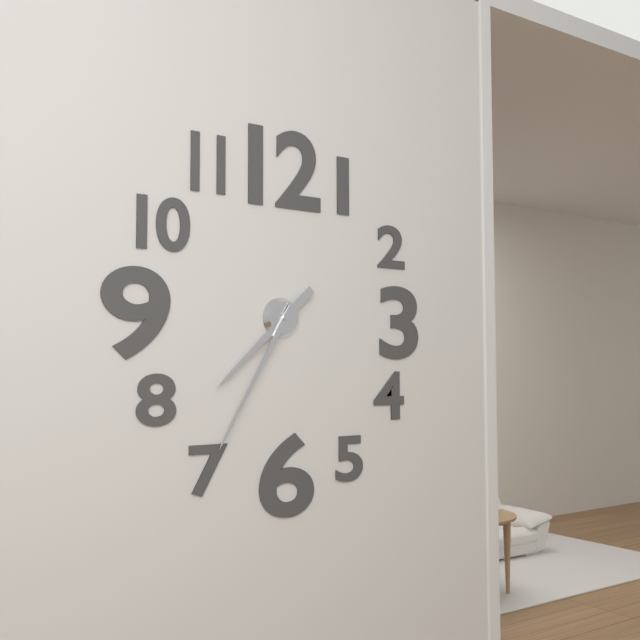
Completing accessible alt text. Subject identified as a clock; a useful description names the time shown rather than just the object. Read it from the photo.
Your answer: 7:35
